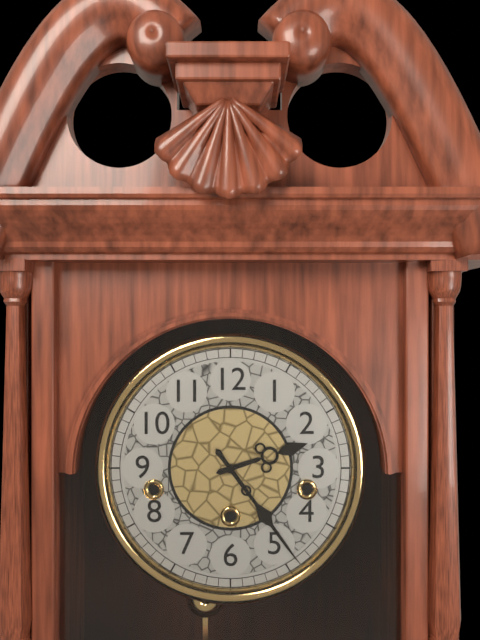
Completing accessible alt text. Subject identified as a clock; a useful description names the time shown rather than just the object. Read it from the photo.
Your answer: 2:24
